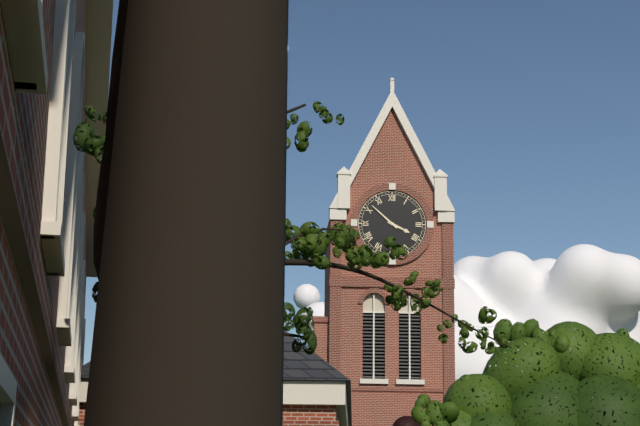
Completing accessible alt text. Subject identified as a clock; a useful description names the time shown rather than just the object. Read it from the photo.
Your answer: 3:52
